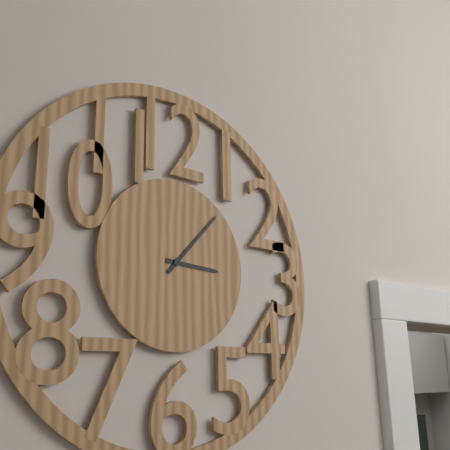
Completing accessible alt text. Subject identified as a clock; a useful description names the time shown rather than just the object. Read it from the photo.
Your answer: 3:07
